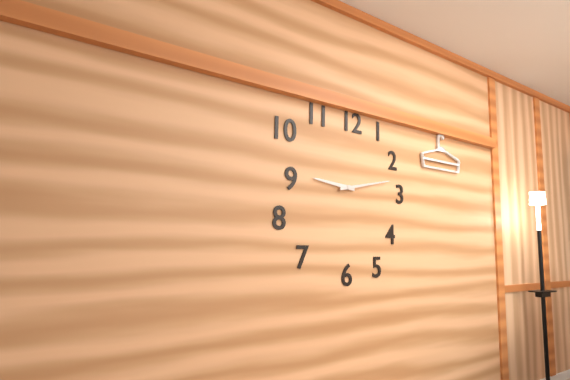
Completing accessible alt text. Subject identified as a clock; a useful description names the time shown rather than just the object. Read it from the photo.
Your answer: 9:13
